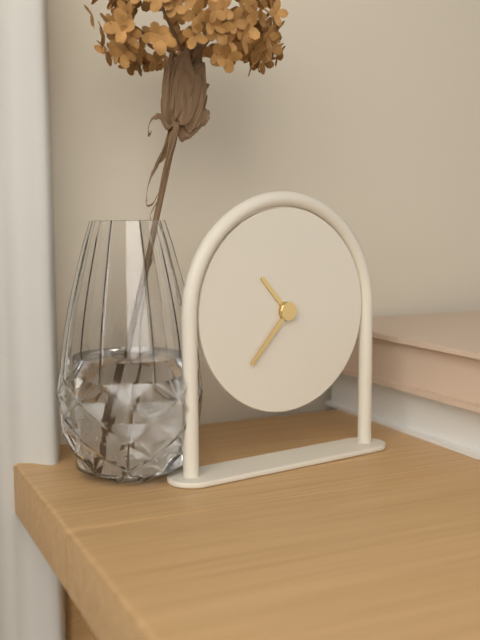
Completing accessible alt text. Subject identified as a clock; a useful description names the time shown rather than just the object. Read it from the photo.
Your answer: 10:37
